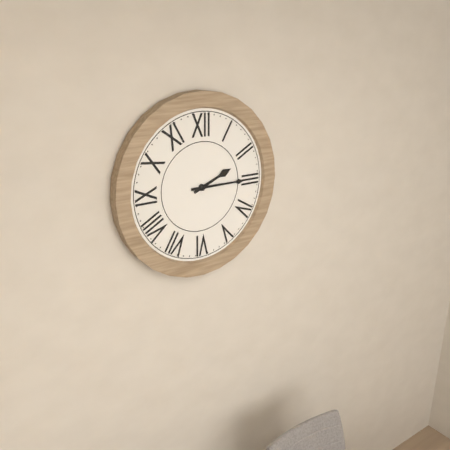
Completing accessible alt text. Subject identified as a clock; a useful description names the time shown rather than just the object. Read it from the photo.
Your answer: 2:15
